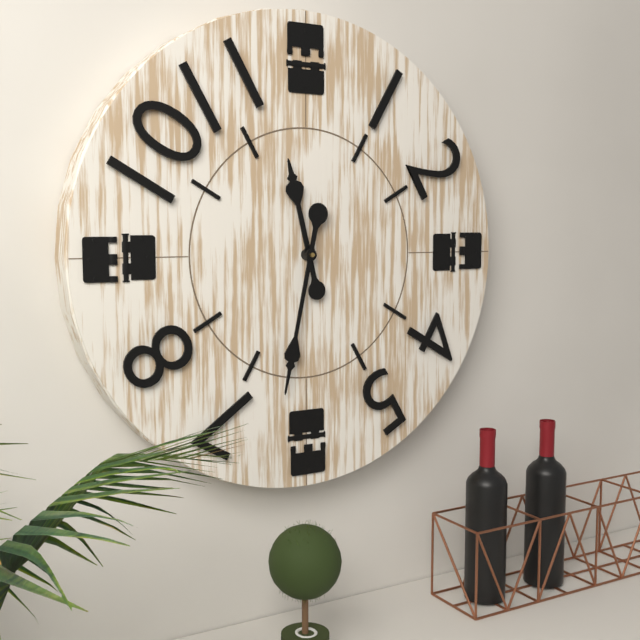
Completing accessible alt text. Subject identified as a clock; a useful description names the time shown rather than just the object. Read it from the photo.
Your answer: 11:32
